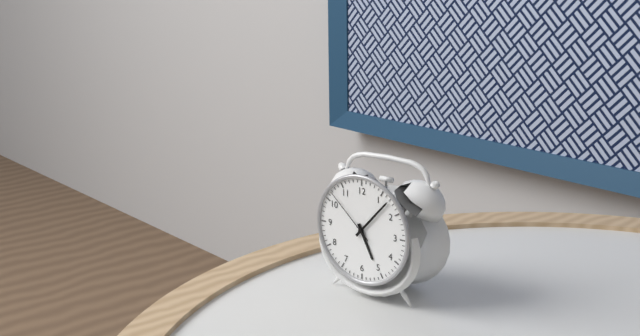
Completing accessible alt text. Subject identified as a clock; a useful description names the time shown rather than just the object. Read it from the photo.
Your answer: 5:07:52
